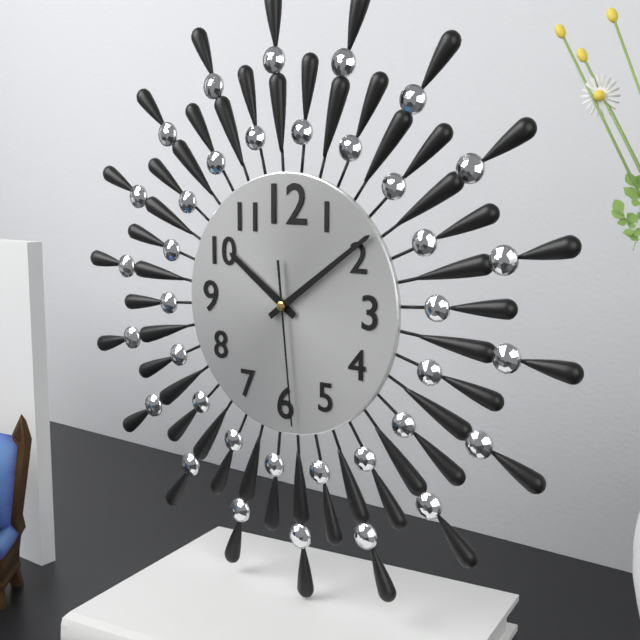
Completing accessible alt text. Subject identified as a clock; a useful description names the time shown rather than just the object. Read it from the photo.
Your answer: 10:09:29
